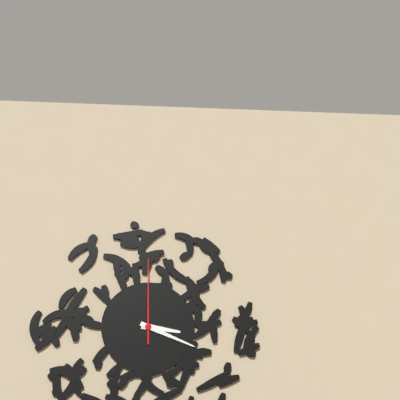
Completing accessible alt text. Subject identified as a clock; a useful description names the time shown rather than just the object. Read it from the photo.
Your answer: 3:19:00
